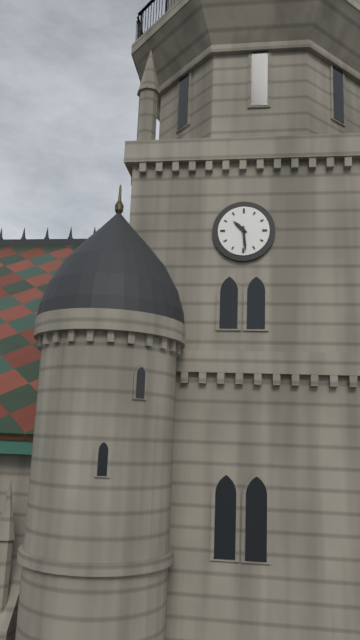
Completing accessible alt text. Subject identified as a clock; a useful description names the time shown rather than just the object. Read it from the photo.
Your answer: 10:29
